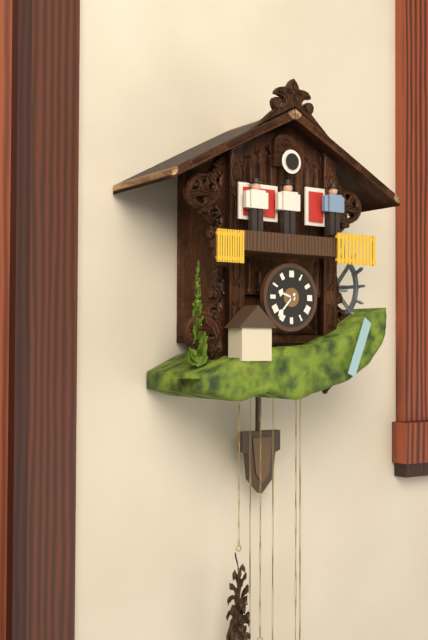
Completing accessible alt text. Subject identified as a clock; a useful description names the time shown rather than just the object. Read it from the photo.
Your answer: 9:37
